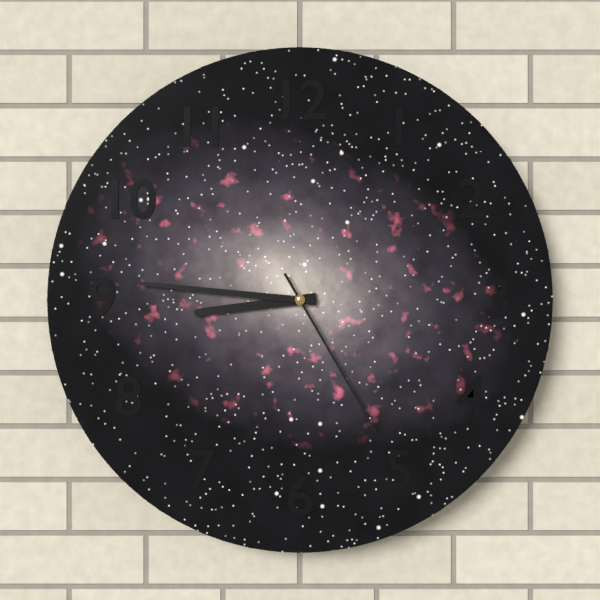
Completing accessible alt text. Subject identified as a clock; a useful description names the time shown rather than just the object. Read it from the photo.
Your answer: 8:46:25
